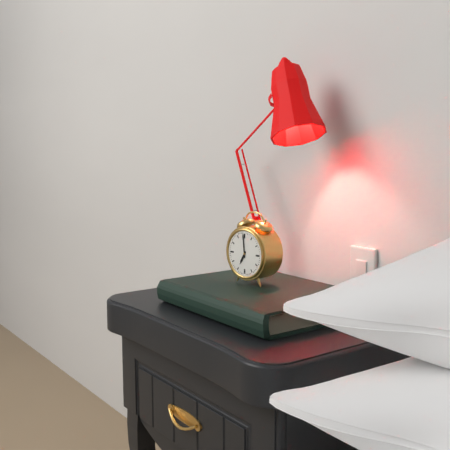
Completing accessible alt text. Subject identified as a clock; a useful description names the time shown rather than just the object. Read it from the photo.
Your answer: 6:59
